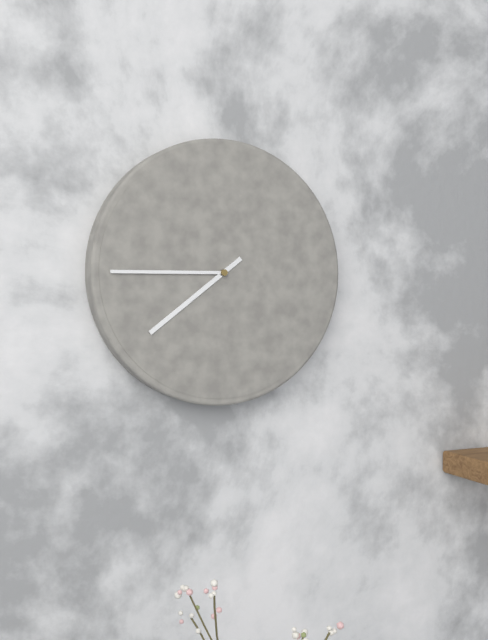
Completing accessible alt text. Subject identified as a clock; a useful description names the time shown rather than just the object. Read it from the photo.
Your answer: 7:45
